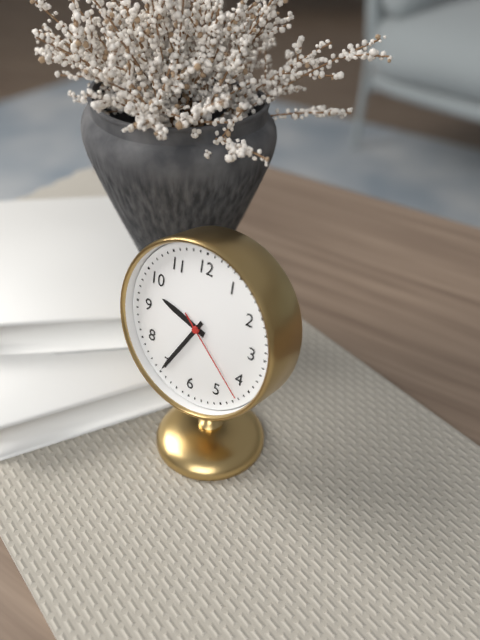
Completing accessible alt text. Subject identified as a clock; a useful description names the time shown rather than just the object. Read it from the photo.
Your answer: 9:35:22
